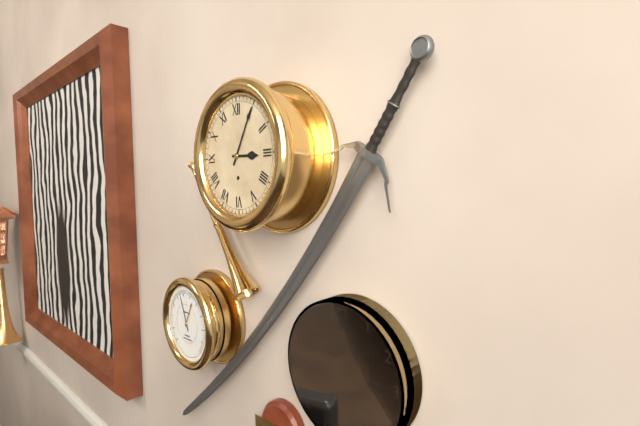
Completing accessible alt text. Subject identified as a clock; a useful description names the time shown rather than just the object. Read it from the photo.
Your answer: 3:05
